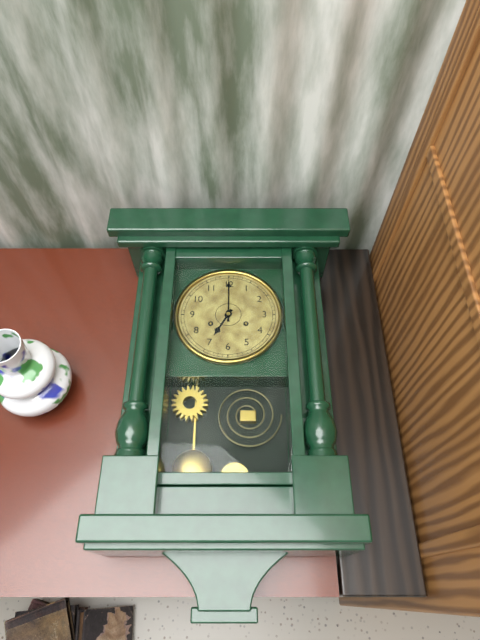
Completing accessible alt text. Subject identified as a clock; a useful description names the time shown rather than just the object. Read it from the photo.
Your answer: 7:00
